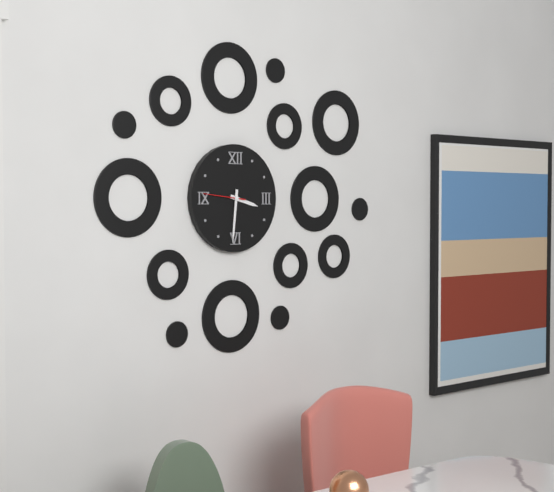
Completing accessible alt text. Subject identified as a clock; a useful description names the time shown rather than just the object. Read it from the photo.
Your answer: 3:31
